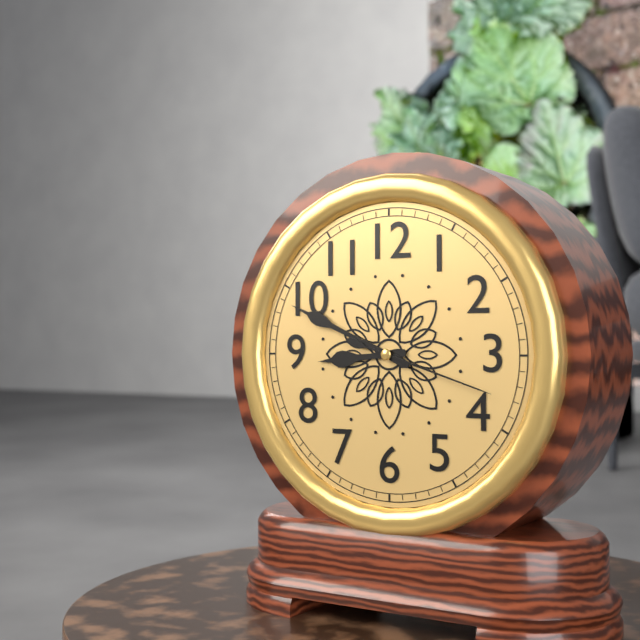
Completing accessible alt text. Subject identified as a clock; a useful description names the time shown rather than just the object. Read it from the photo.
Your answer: 8:49:18
